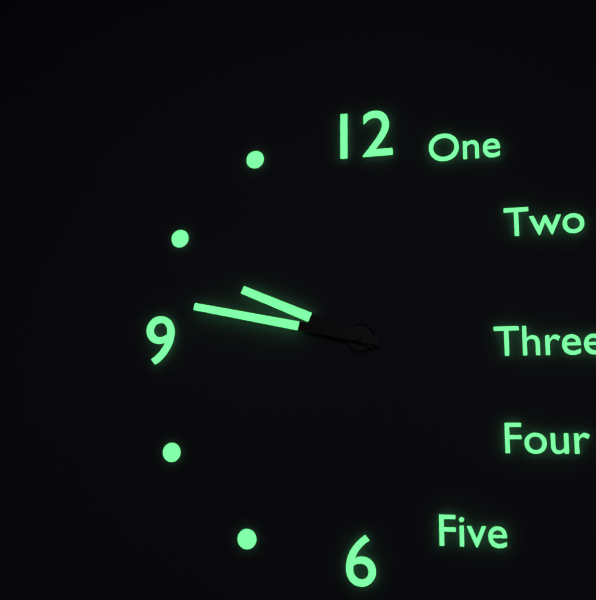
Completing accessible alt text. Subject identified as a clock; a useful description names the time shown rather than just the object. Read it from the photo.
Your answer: 9:47
